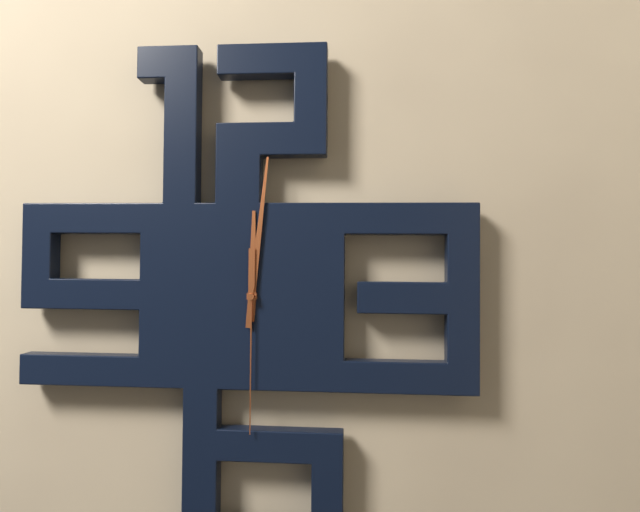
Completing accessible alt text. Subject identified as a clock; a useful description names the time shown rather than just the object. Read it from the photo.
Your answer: 12:01:30
